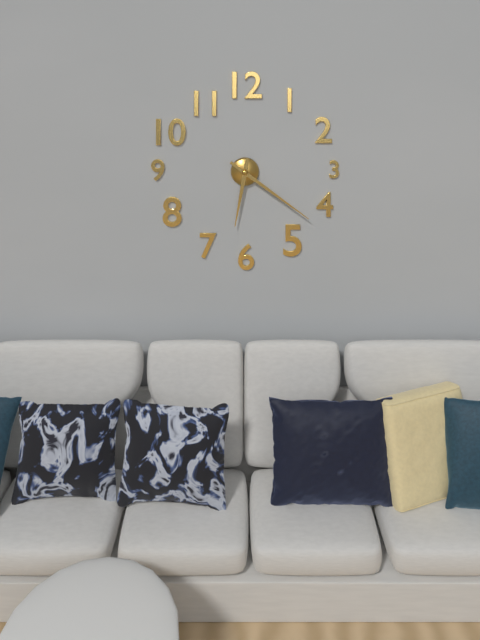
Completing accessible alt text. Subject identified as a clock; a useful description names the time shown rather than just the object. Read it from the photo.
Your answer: 6:21
